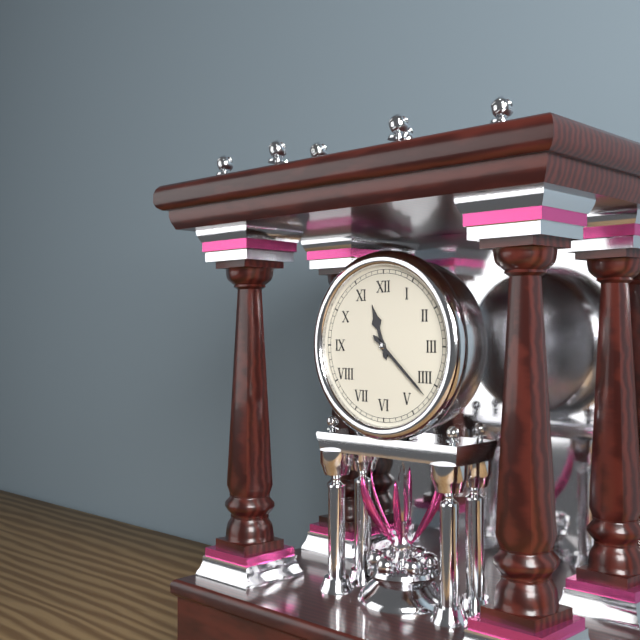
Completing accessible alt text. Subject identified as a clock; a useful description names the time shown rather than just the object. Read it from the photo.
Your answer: 11:22
